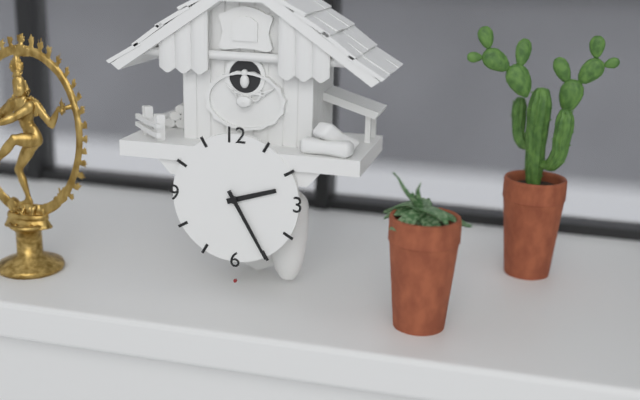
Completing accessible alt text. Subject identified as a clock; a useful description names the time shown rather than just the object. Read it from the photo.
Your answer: 2:25
